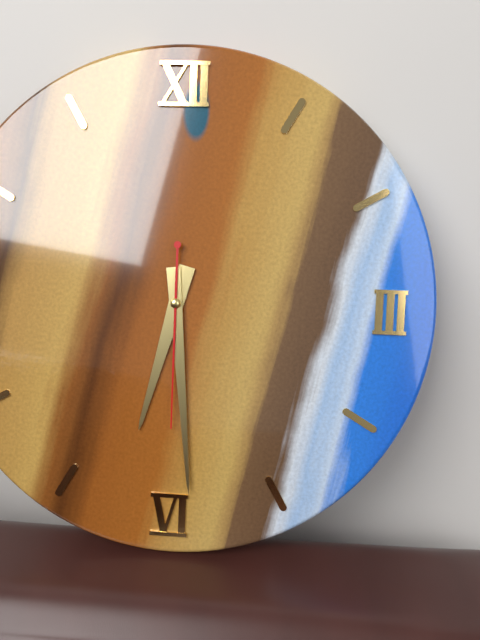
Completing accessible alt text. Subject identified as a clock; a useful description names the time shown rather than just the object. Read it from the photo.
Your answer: 6:29:30
